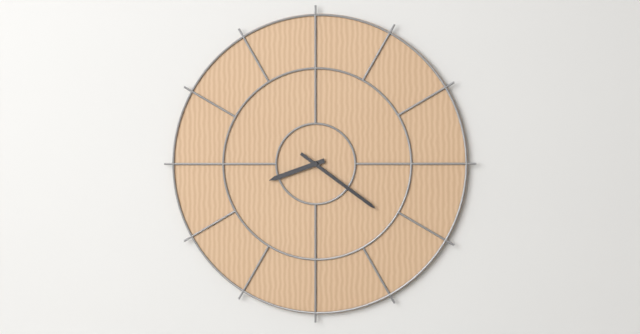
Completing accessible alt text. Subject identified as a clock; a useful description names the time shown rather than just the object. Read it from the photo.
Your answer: 8:21
